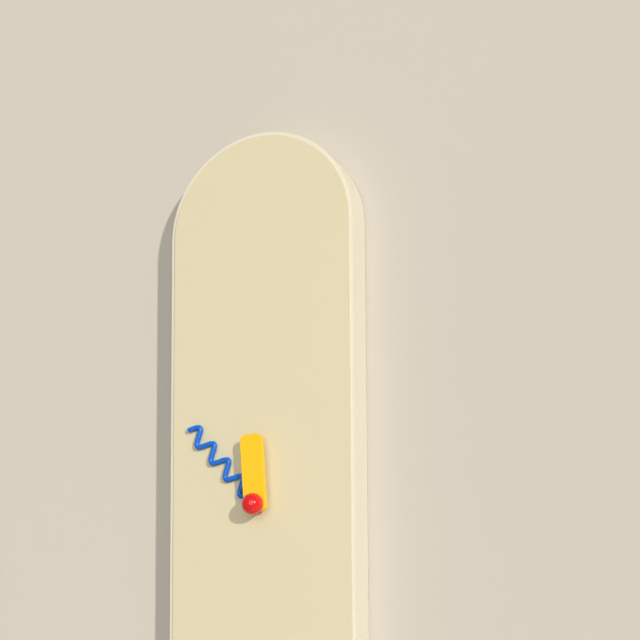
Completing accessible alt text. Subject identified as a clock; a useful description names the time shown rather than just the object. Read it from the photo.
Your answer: 11:53
